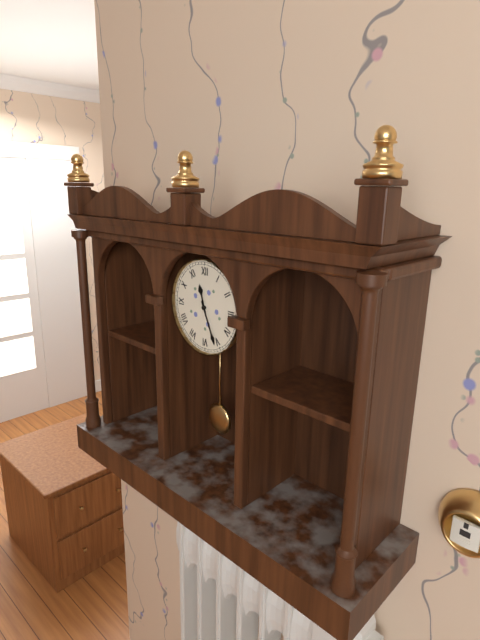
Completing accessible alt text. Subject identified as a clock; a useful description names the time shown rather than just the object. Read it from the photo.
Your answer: 11:26
